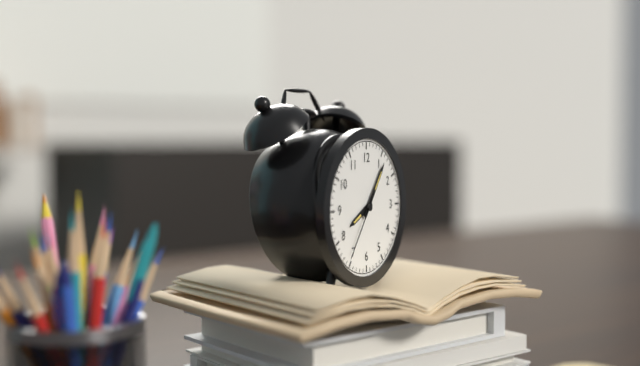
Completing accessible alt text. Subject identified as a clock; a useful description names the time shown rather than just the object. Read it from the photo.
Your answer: 8:06:36
